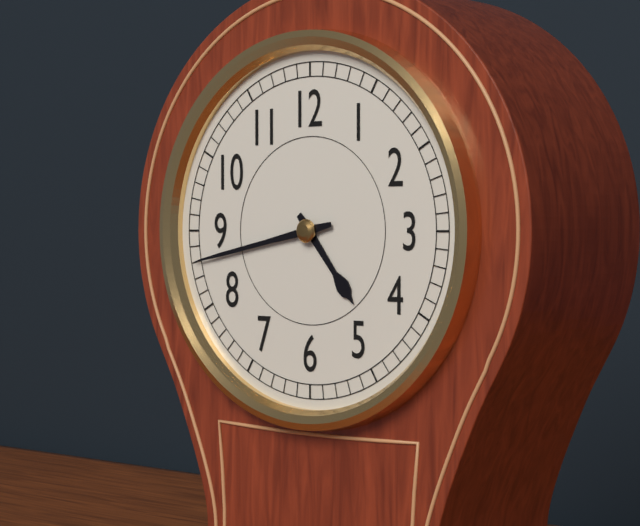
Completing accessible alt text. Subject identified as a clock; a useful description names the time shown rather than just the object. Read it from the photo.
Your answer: 4:43
